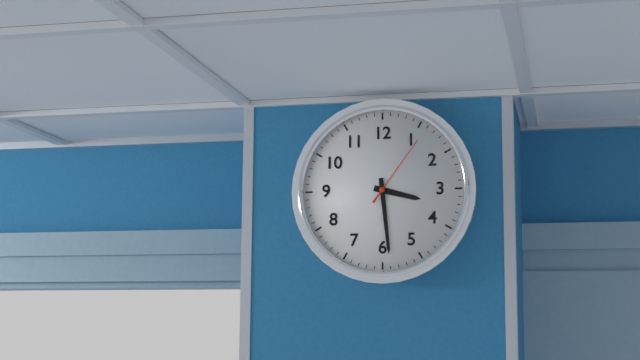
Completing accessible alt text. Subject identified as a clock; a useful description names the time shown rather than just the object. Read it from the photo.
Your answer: 3:29:06
